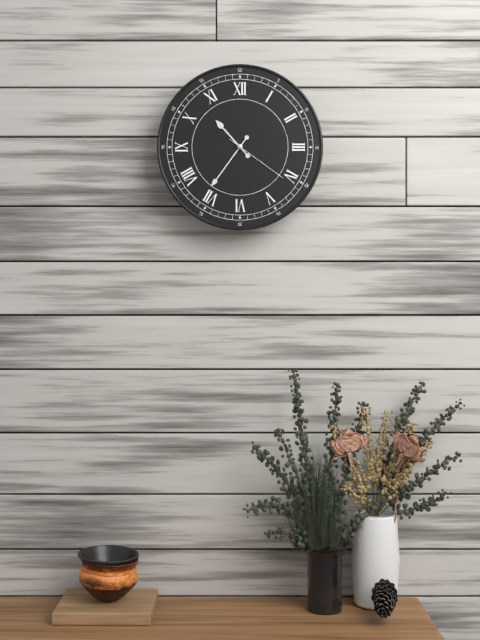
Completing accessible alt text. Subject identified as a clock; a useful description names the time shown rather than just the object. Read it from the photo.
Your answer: 10:36:21
